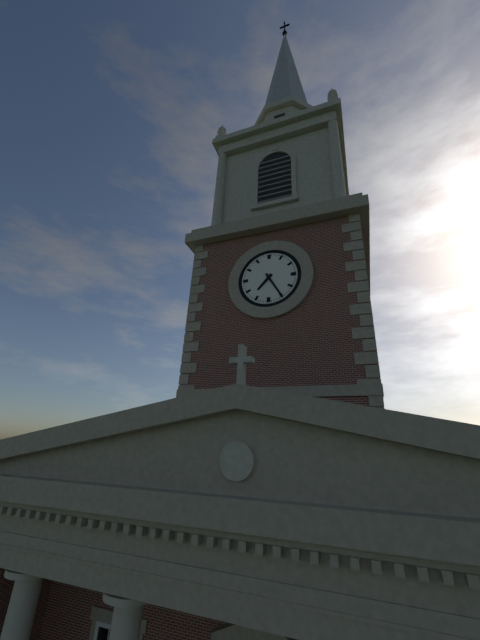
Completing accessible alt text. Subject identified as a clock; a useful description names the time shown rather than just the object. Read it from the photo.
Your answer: 7:25
